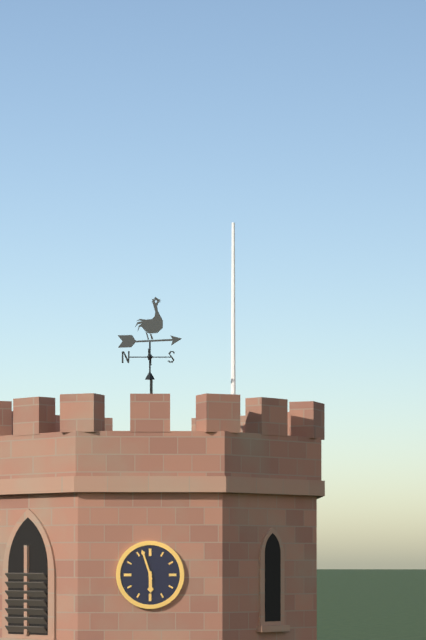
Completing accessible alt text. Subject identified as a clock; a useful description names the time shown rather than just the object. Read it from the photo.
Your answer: 5:57
